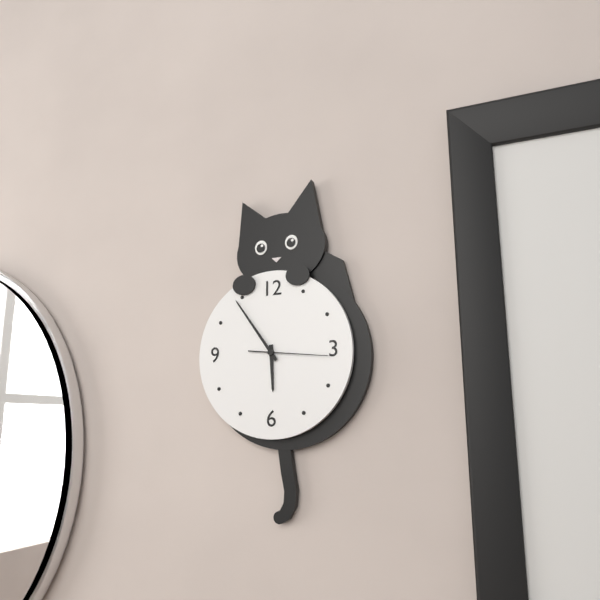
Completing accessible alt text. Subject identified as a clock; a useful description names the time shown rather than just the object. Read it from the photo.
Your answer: 5:54:16
